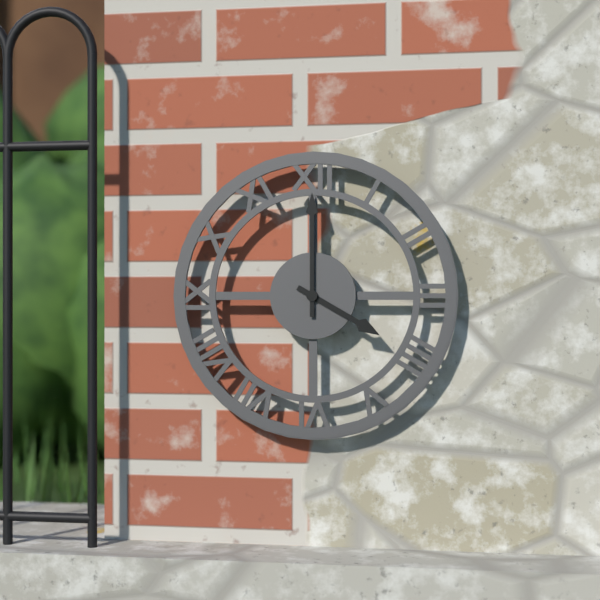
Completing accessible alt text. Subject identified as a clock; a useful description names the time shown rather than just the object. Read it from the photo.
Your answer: 4:00
